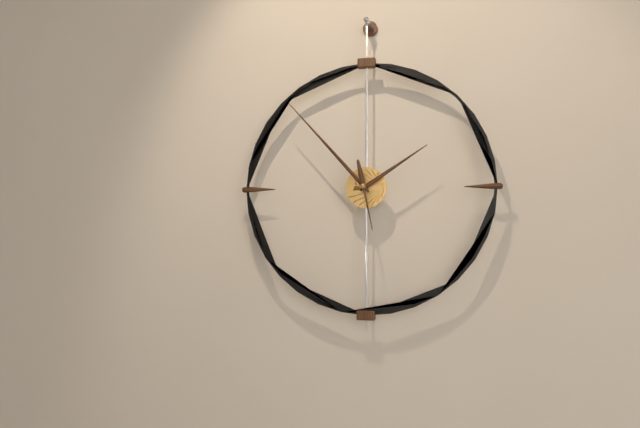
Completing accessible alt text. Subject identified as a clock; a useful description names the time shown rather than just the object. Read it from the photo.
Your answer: 1:53:28
